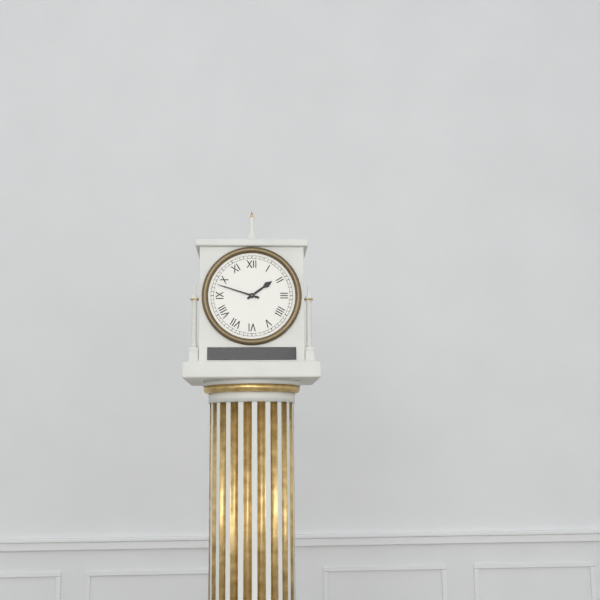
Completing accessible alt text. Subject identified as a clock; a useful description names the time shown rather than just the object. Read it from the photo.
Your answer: 1:48
